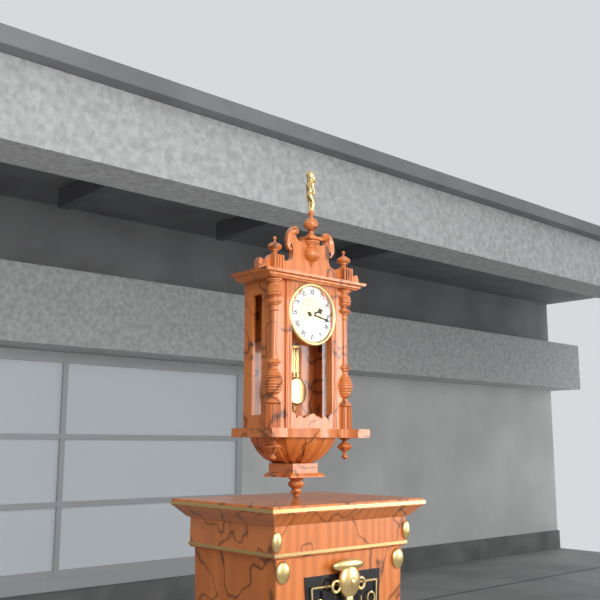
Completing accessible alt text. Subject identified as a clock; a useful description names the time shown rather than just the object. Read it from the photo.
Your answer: 2:17
